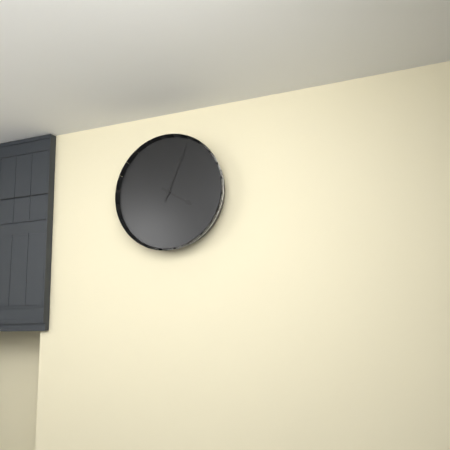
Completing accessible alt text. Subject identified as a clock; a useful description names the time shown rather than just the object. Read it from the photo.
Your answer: 4:04
